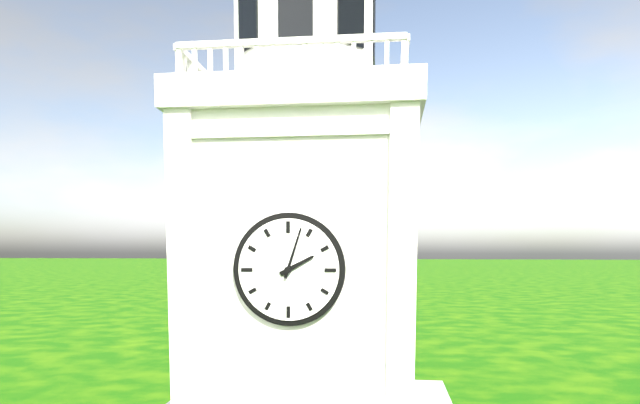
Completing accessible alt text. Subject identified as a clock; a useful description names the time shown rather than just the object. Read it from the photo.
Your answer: 2:03
